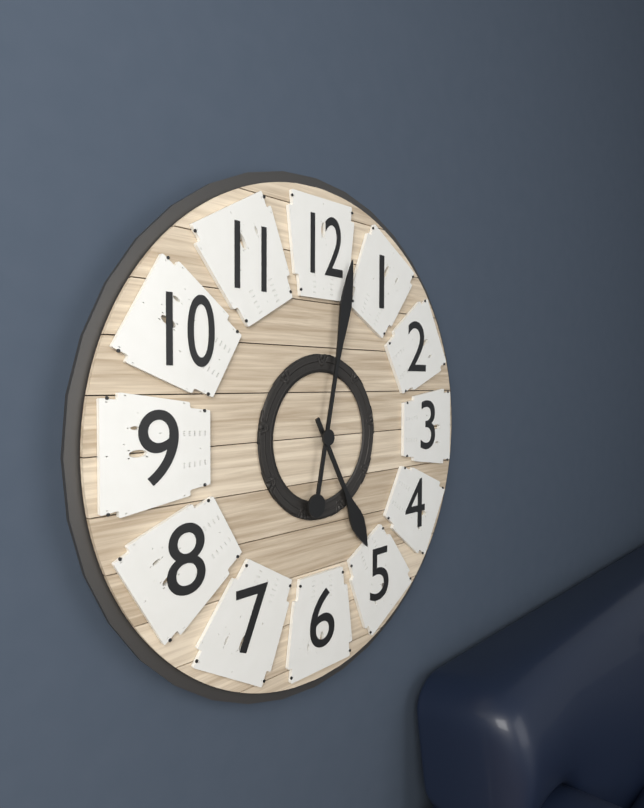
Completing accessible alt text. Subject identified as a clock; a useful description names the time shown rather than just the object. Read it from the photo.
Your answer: 5:02
